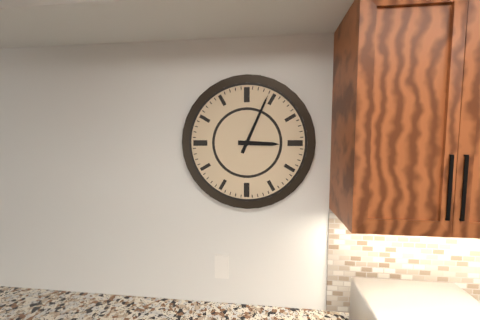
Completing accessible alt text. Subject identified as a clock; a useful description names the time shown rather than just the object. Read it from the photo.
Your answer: 3:04
